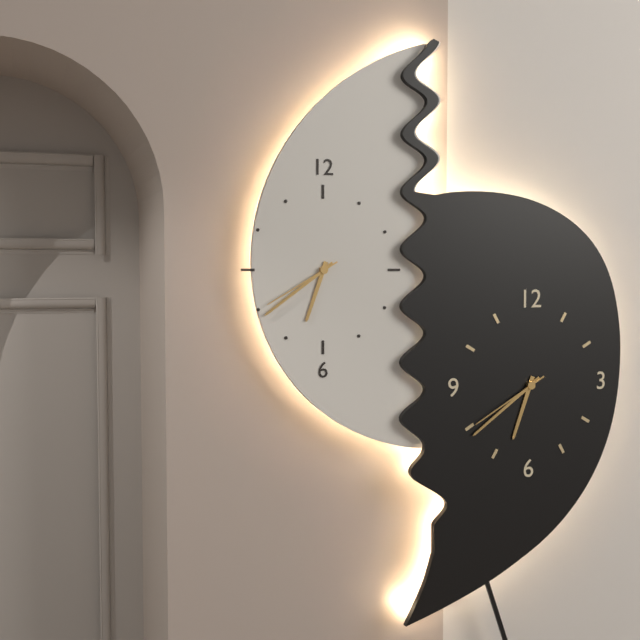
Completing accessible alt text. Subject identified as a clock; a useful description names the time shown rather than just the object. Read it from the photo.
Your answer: 6:39:40
